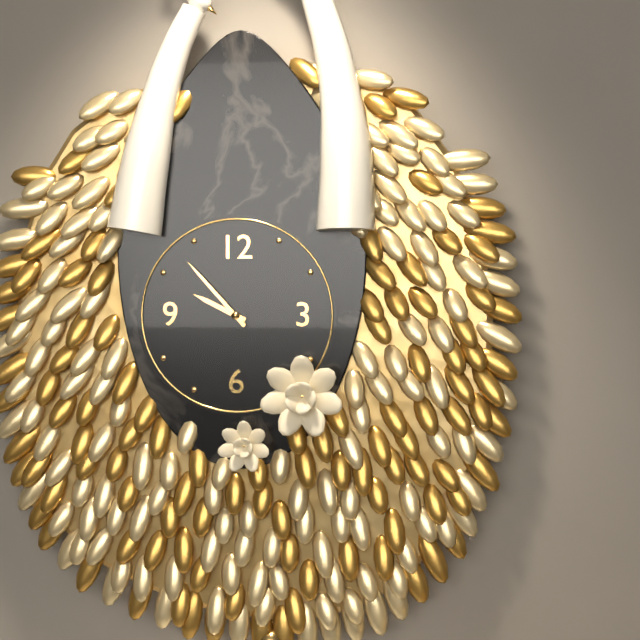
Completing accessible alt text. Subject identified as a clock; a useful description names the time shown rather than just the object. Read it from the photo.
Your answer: 9:53
